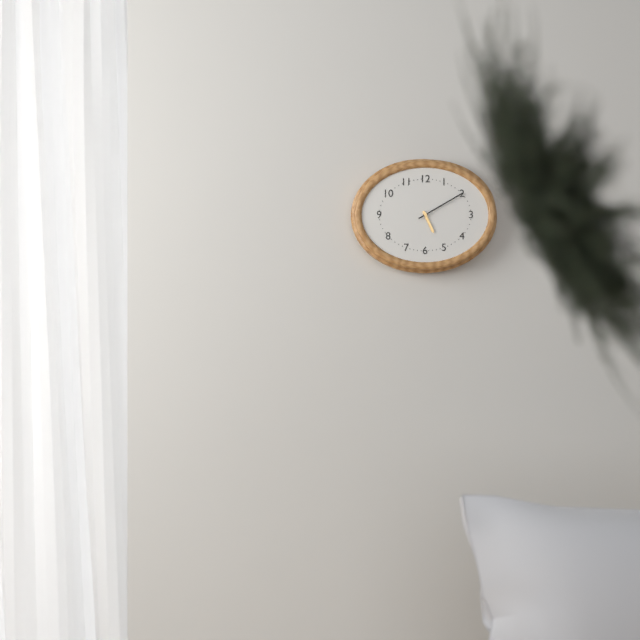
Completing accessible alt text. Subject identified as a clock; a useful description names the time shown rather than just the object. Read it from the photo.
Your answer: 5:10
